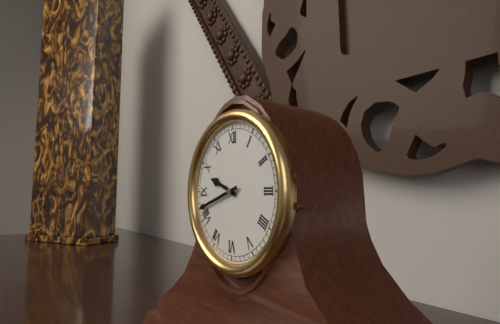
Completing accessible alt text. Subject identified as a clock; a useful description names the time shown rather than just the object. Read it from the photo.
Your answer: 9:42
